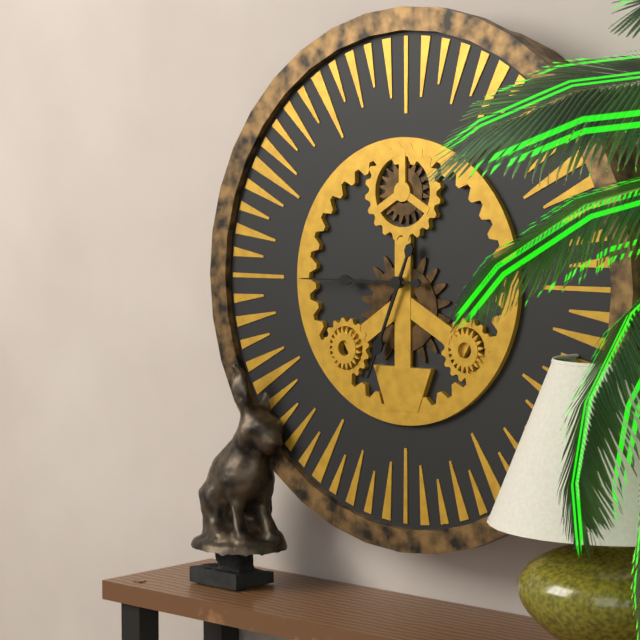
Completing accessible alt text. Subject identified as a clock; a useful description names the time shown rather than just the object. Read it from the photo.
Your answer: 6:45
